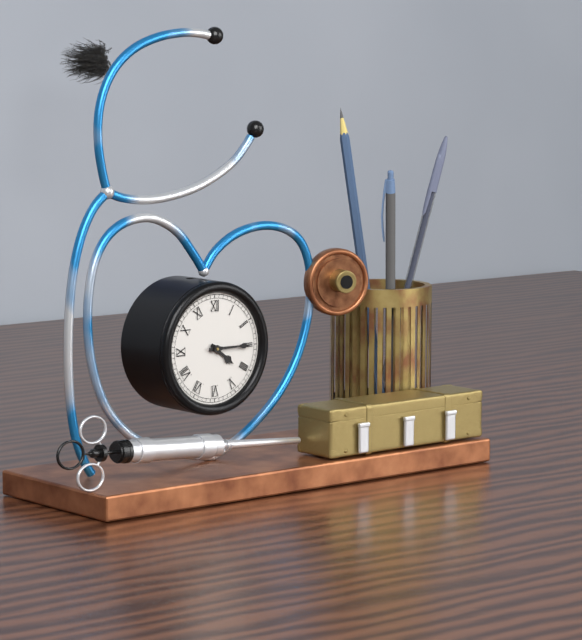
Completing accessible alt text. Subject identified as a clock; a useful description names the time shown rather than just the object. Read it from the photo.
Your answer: 4:15
